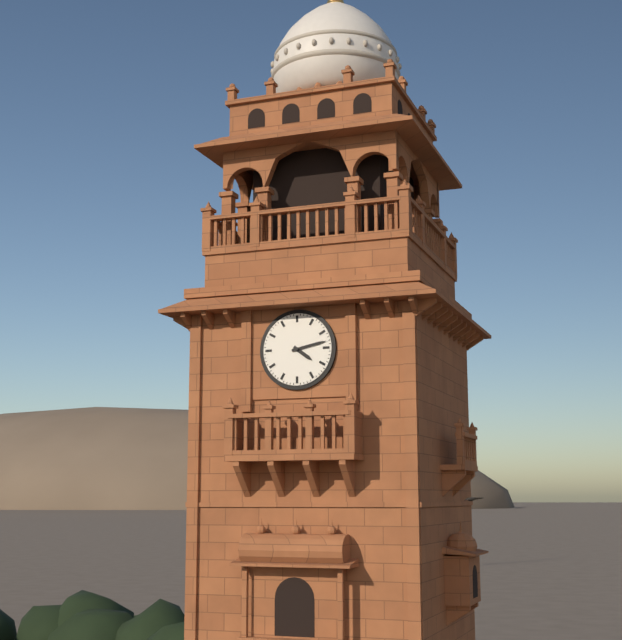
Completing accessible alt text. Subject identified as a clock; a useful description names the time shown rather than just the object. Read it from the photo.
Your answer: 4:13
